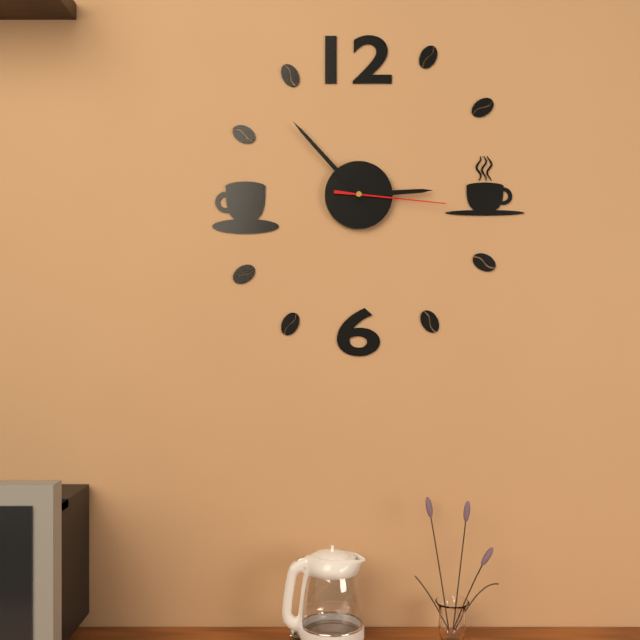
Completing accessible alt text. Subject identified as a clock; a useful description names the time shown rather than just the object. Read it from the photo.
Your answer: 2:53:16
